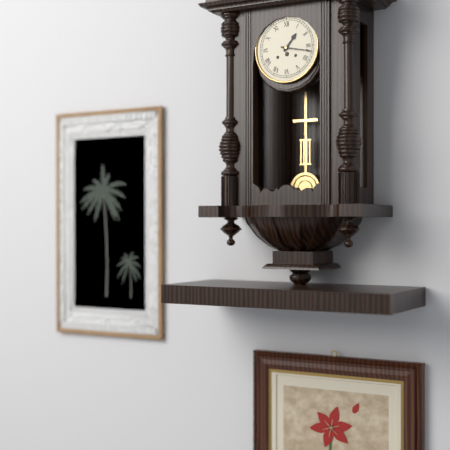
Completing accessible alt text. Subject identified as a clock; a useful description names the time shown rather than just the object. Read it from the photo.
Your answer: 1:17
